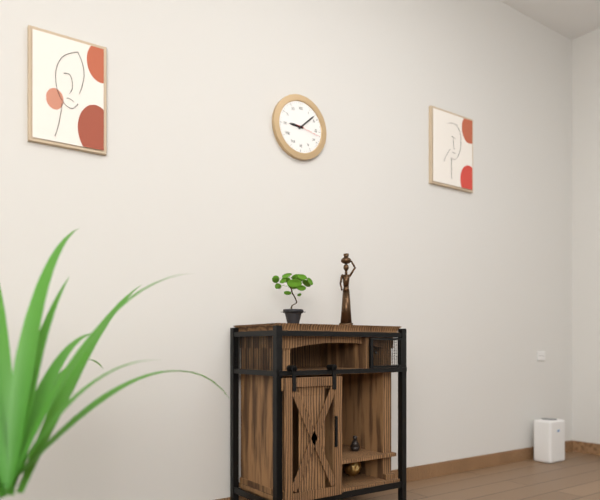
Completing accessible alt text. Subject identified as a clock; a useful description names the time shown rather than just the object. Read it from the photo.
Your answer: 9:08
